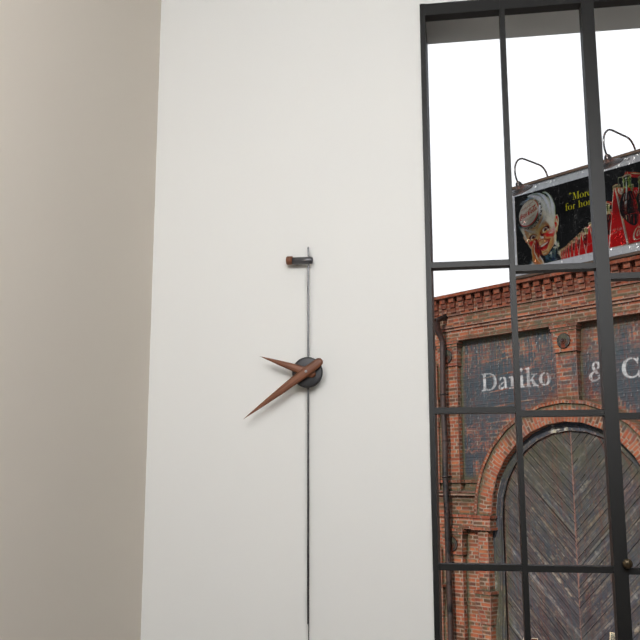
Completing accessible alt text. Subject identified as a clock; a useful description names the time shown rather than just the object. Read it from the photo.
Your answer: 9:39
